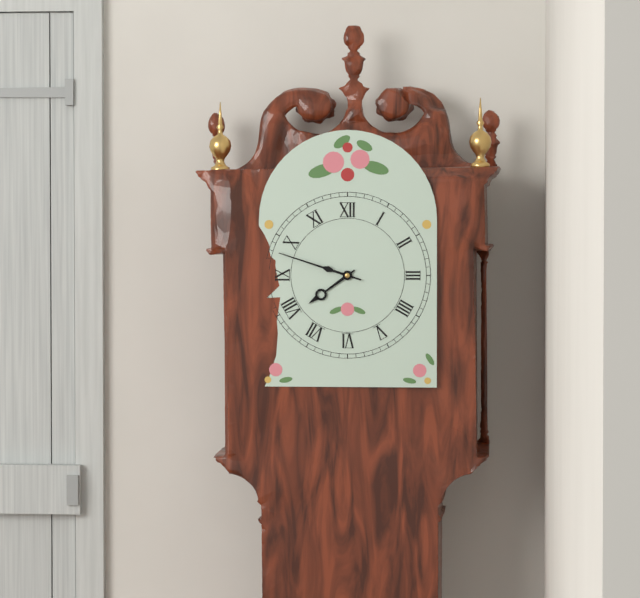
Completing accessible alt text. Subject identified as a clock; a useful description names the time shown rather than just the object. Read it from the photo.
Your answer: 7:48
